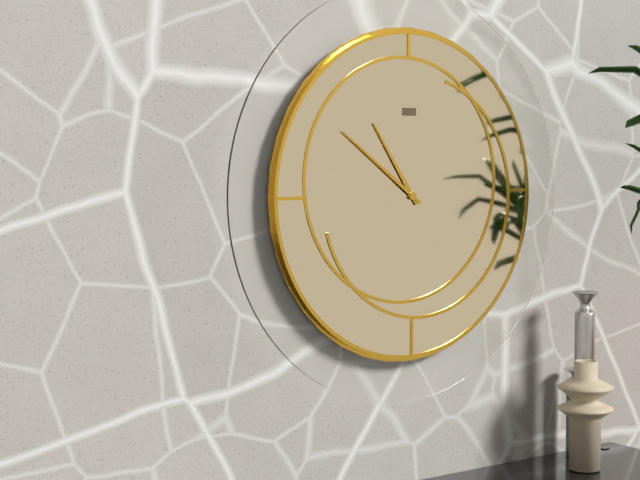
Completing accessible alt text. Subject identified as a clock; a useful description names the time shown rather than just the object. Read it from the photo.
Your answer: 10:51
